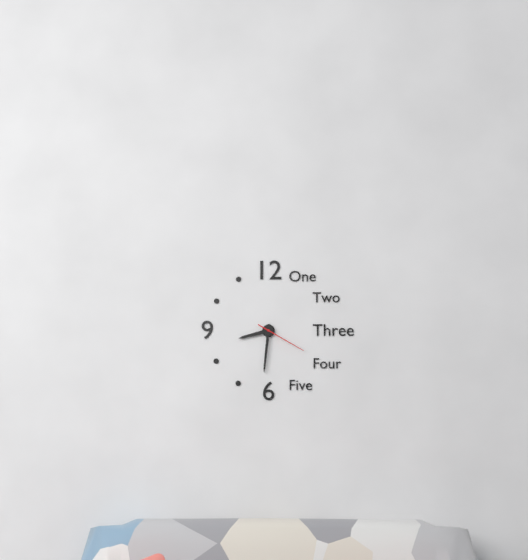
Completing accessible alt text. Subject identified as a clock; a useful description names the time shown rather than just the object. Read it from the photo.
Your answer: 8:31:20
